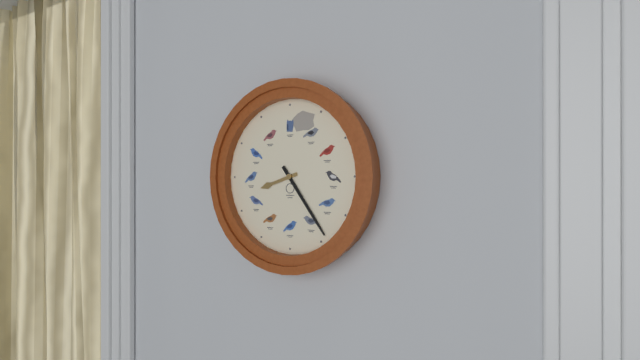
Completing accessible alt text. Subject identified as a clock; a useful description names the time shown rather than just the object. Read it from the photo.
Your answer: 8:24
